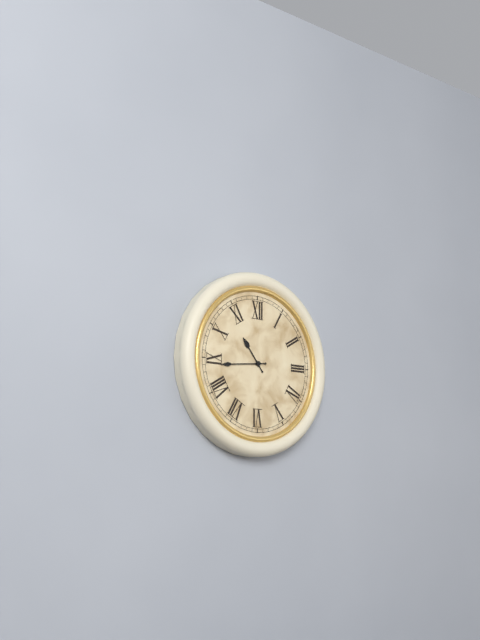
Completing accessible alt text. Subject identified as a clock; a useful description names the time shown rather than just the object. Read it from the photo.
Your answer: 10:44
